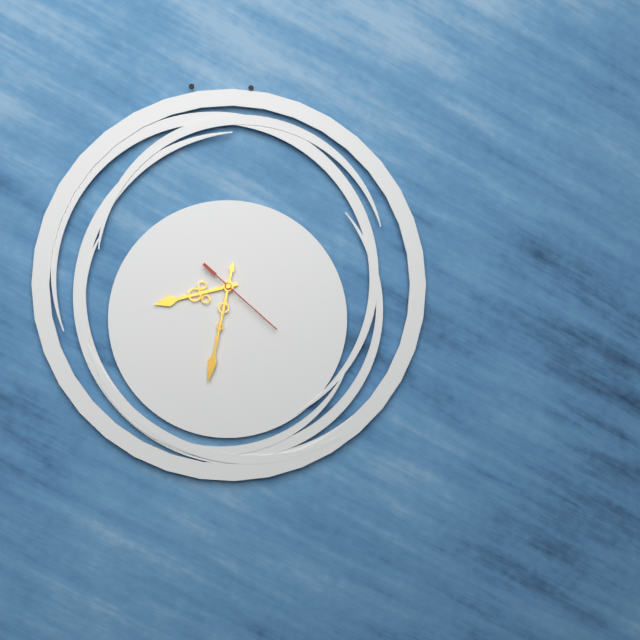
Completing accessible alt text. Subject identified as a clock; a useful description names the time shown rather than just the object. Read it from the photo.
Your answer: 8:32:22
